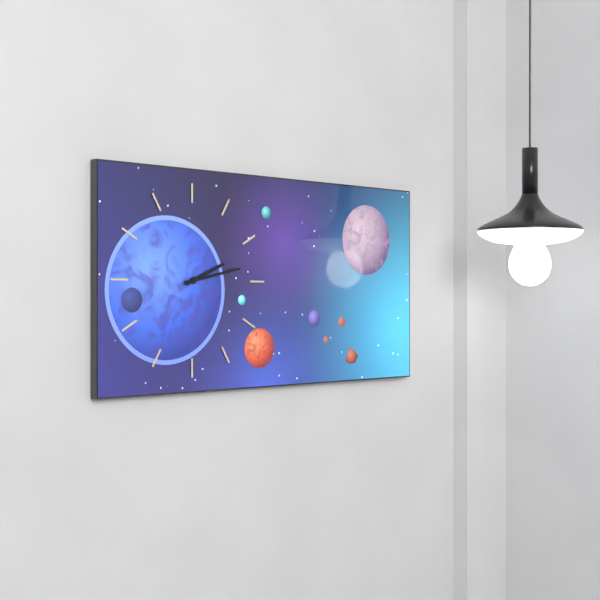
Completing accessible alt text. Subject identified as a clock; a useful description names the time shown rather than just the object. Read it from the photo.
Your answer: 2:13
